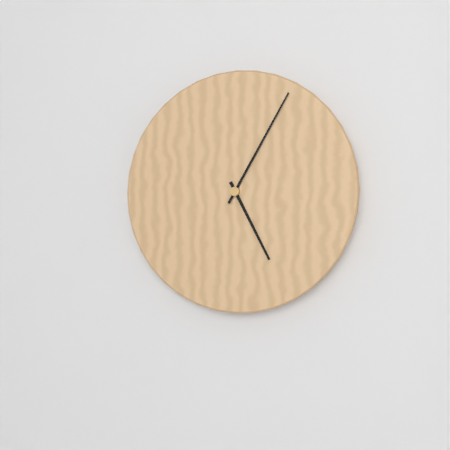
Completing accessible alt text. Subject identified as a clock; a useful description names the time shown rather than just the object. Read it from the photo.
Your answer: 5:05
